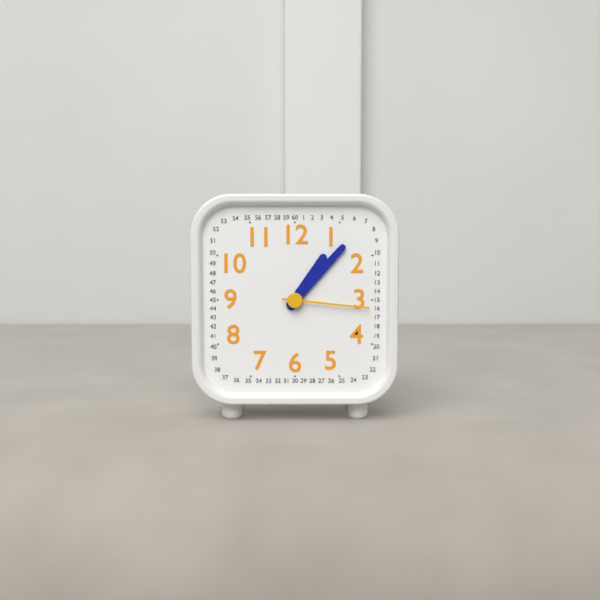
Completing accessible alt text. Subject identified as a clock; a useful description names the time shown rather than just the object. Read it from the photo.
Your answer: 1:07:16
